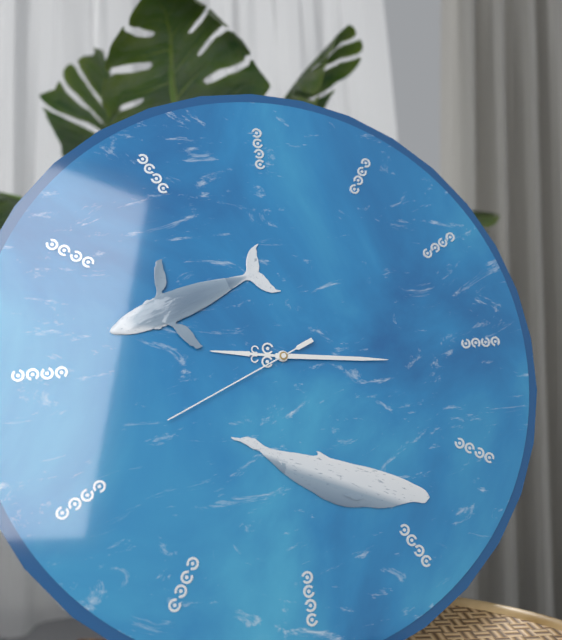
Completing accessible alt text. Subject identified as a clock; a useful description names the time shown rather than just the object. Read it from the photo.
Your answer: 9:16:41
